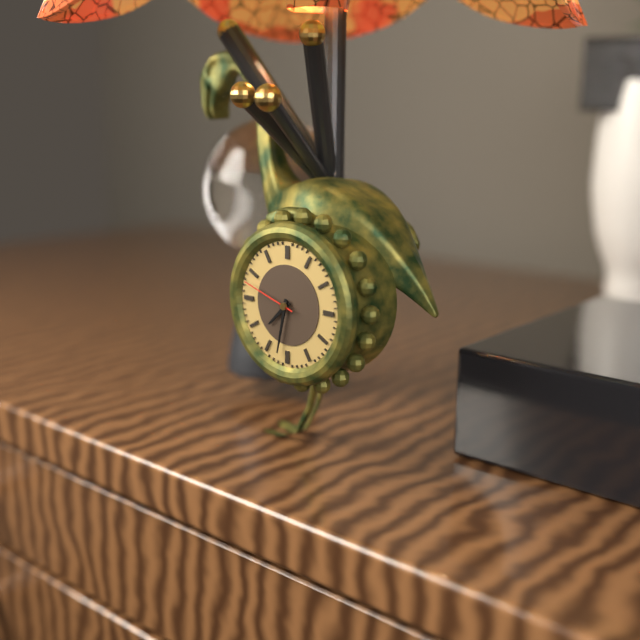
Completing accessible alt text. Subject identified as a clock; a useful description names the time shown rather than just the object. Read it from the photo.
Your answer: 7:32:48
